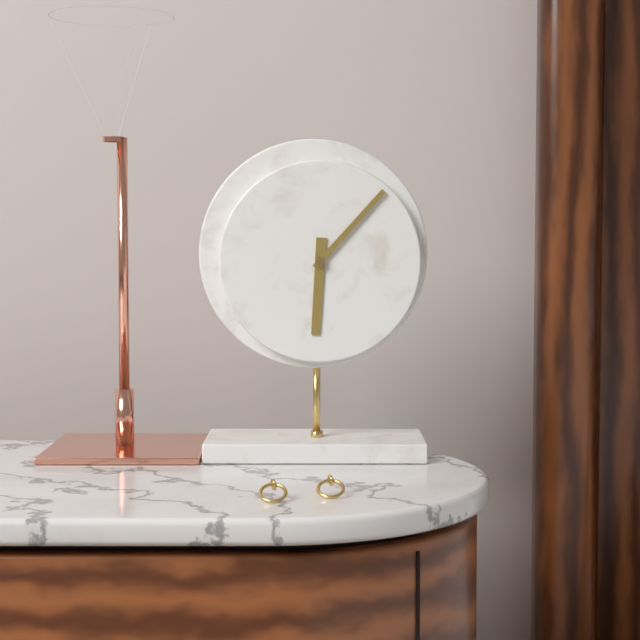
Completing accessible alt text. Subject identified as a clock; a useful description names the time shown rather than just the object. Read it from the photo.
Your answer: 6:07
